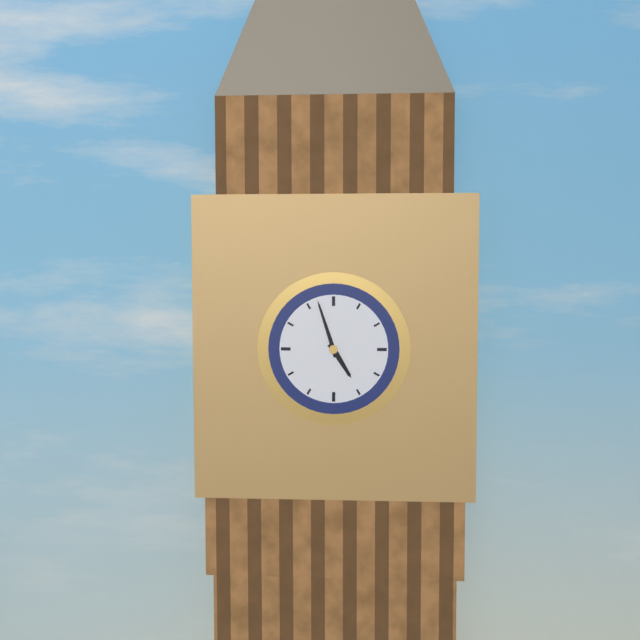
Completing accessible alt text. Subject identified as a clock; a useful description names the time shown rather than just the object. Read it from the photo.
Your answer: 4:57
